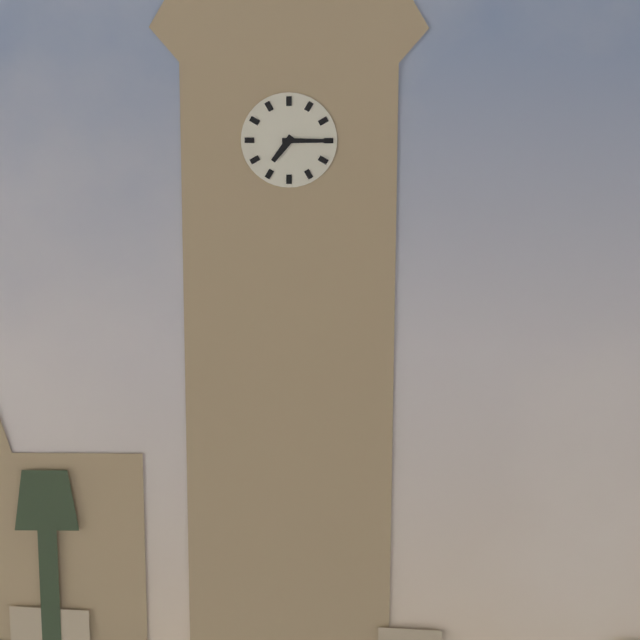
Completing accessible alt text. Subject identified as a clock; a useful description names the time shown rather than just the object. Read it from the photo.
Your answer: 7:15
